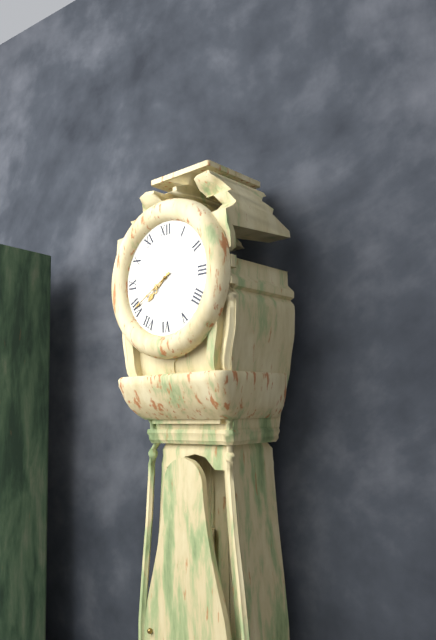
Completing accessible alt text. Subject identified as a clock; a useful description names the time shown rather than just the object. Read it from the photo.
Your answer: 7:40
